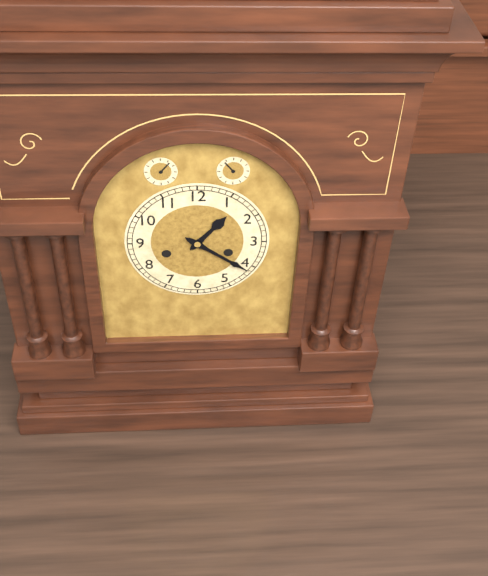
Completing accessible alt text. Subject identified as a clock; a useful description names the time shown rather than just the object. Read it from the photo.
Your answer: 1:21
